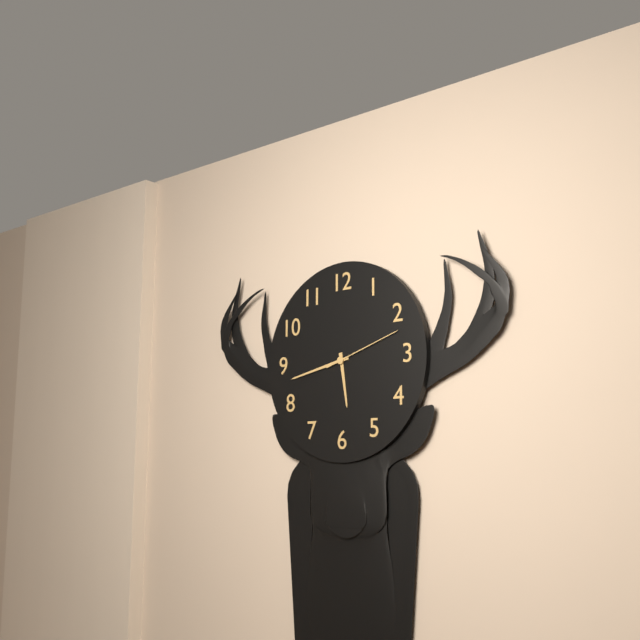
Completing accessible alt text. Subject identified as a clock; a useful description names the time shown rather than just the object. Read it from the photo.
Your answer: 5:43:12
